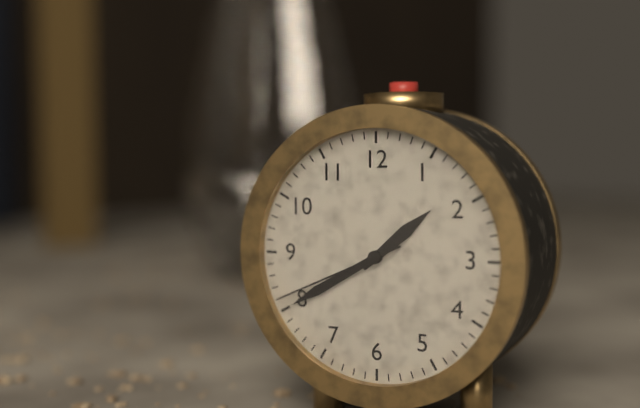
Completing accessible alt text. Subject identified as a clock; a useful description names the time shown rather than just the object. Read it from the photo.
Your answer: 1:40:41
